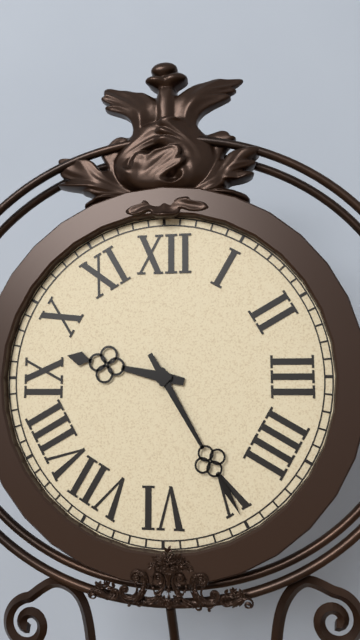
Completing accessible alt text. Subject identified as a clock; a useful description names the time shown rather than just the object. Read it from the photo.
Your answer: 9:25
